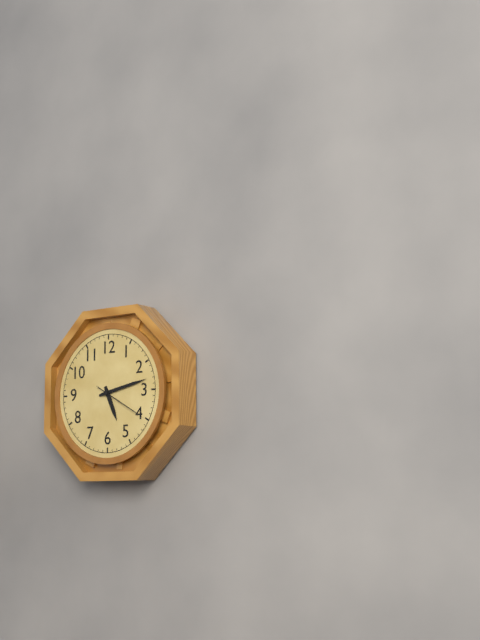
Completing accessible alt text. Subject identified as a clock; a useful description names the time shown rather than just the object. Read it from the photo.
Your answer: 5:13:20
